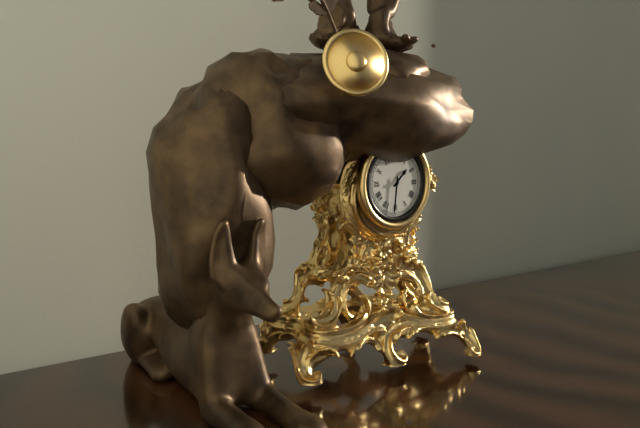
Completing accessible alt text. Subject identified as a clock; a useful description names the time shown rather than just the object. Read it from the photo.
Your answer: 1:31
